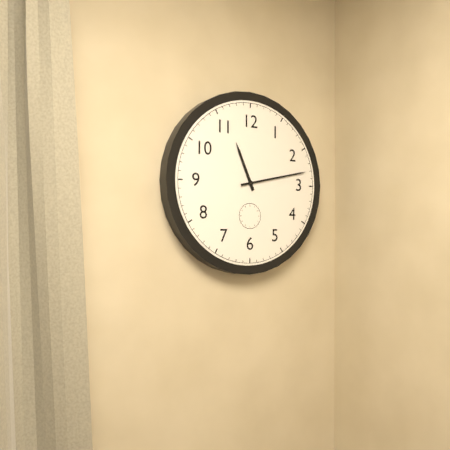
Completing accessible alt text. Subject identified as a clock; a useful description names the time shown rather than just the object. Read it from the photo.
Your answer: 11:13
